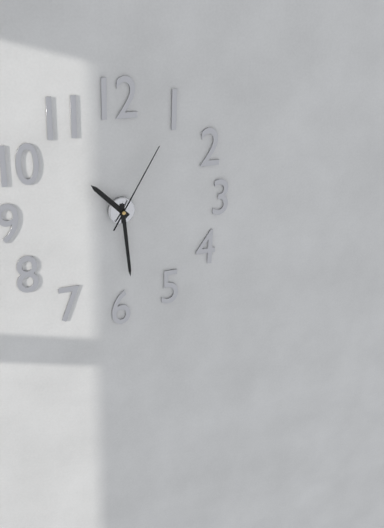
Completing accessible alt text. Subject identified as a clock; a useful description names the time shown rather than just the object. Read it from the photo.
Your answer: 10:29:05
